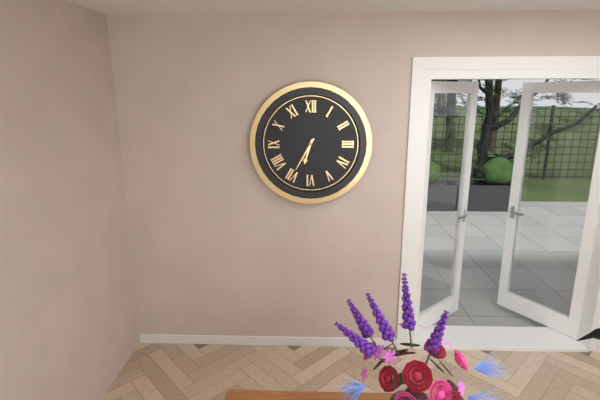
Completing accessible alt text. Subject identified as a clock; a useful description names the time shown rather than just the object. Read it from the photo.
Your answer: 6:35
